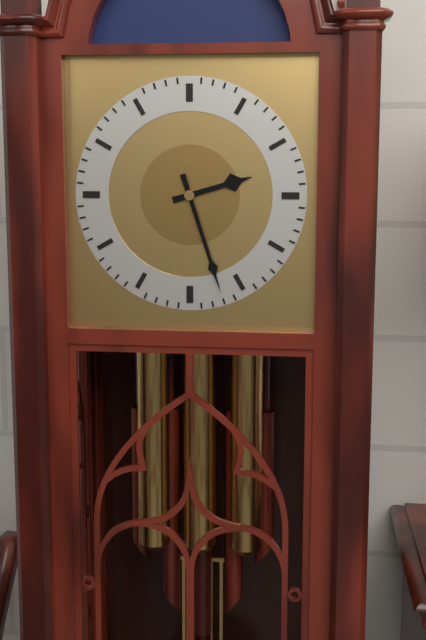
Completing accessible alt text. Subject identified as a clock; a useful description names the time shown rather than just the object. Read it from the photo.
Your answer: 2:27
